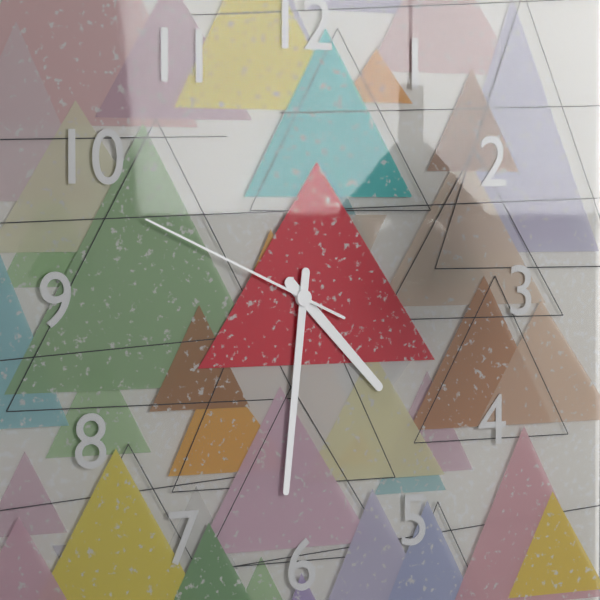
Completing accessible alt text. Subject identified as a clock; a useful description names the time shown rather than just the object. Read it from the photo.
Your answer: 4:31:49
